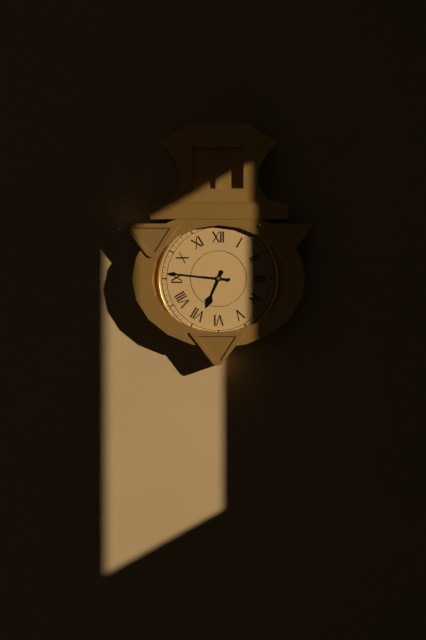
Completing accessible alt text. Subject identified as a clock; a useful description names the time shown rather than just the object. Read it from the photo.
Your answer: 6:46
